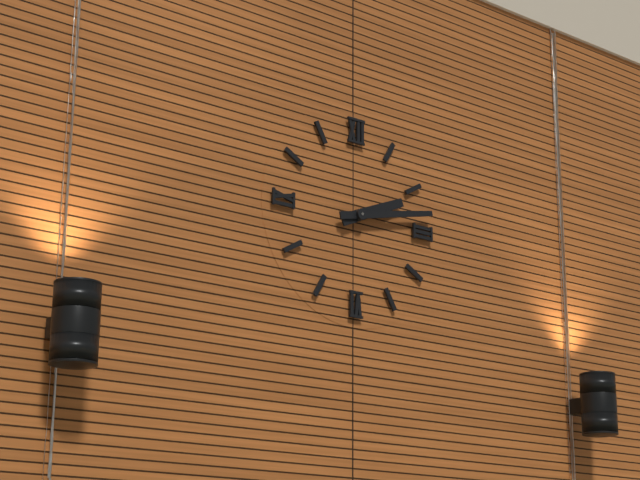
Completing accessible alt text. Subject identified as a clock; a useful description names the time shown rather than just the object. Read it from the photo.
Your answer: 2:13
